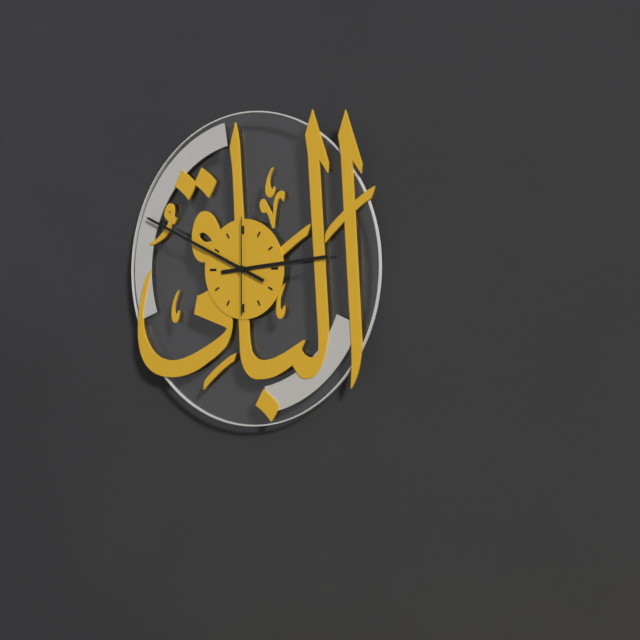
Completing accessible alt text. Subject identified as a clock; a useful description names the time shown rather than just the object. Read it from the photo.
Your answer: 2:49:00
